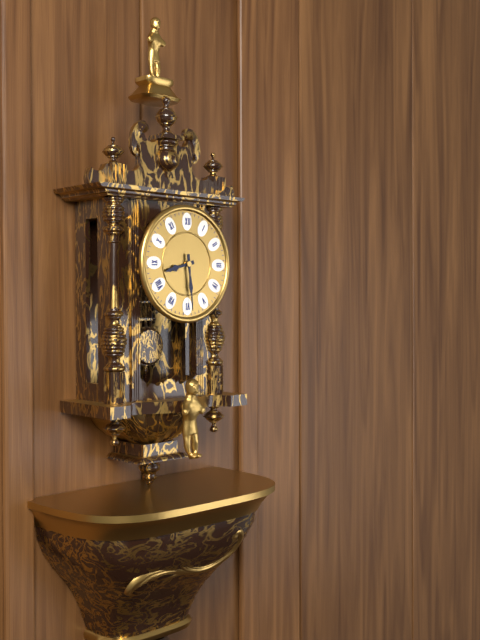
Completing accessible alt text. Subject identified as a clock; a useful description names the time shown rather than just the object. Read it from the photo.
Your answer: 8:29
